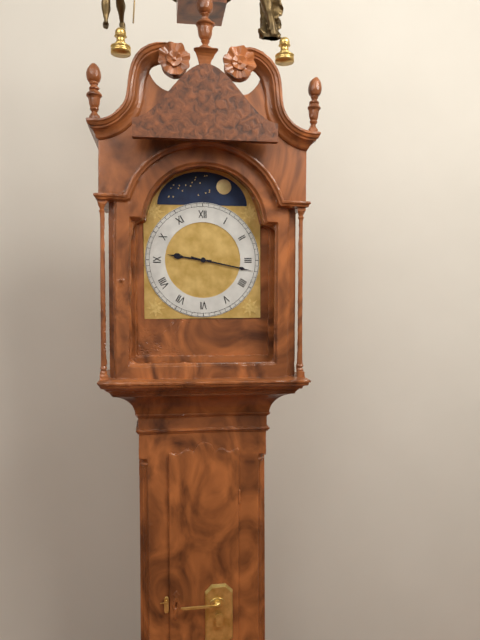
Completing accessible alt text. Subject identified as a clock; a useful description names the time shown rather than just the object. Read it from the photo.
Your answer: 9:17
